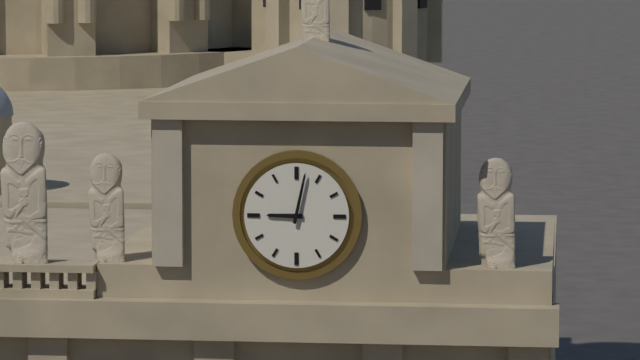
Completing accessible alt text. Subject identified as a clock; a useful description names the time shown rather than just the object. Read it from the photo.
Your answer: 9:02
